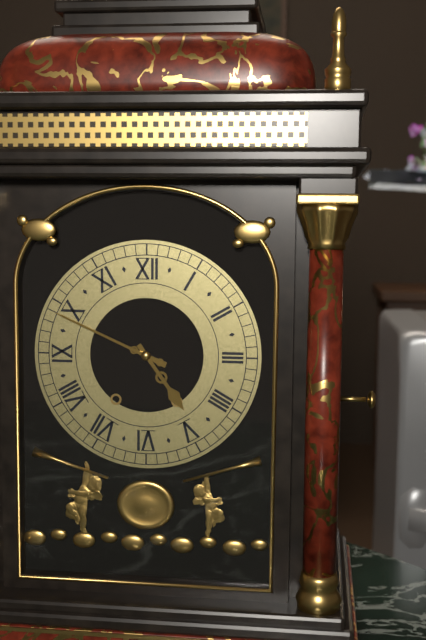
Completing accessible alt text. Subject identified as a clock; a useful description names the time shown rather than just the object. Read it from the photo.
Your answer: 4:49
